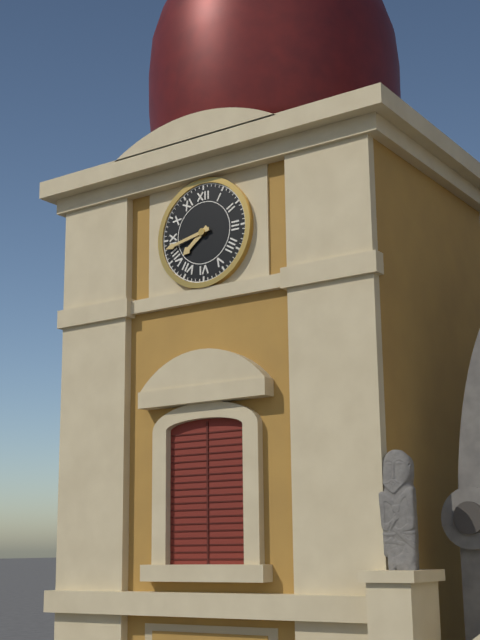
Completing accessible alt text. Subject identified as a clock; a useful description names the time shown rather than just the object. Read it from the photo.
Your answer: 7:43
